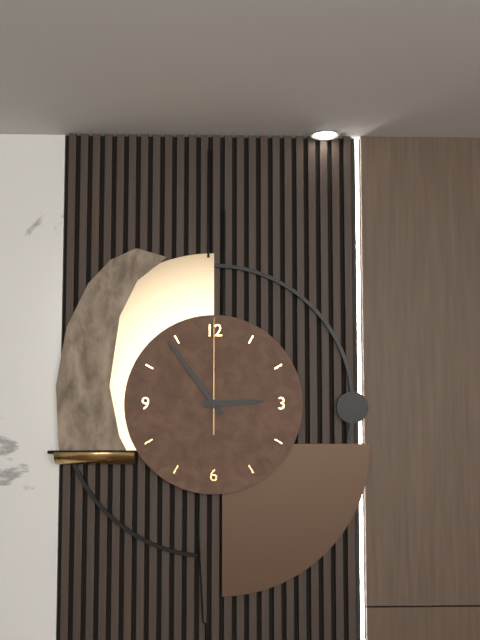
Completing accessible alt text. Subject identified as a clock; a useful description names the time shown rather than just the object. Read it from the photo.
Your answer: 2:54:00
